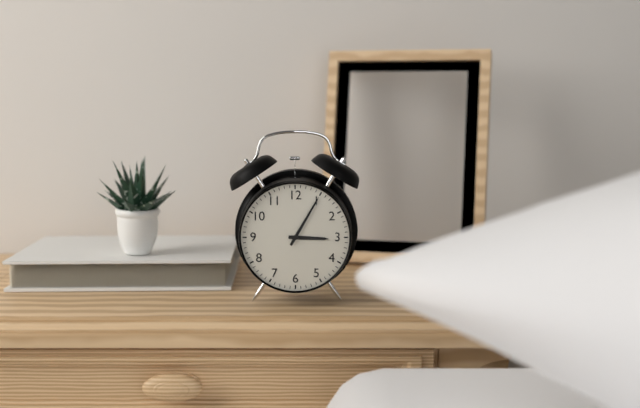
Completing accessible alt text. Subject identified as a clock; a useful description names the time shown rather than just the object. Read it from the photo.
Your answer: 3:05
